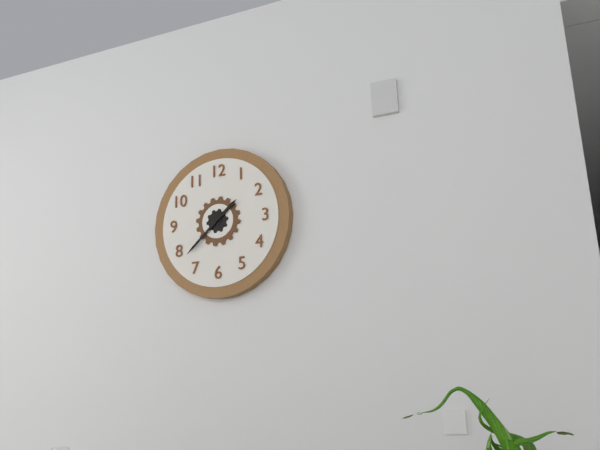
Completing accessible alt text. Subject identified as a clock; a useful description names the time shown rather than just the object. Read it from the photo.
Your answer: 1:38
